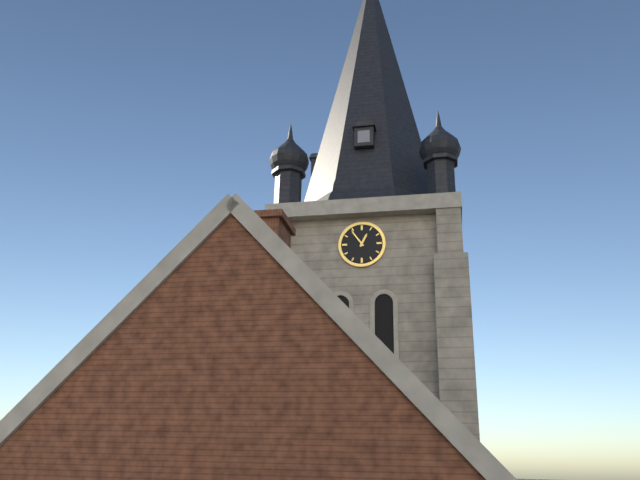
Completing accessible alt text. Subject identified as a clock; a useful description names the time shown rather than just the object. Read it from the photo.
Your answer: 12:54
